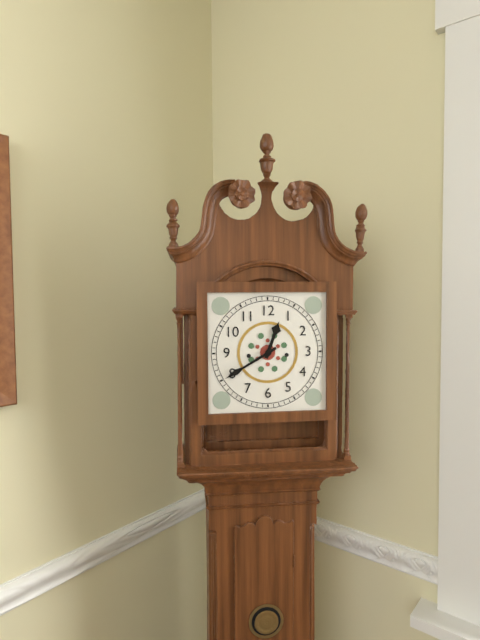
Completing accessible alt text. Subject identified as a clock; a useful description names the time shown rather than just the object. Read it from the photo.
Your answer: 12:40
